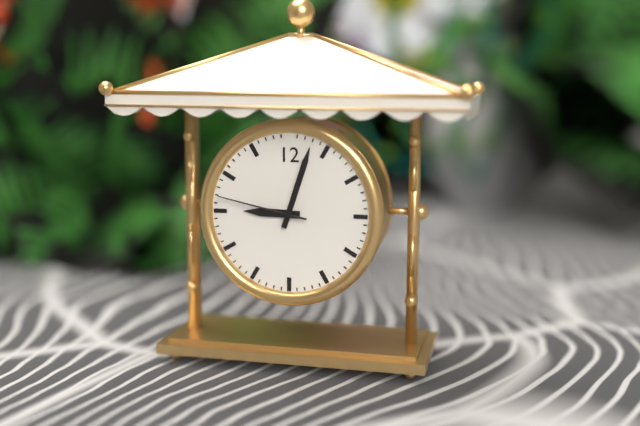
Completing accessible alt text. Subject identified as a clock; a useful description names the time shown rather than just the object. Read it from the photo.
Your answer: 9:03:47
